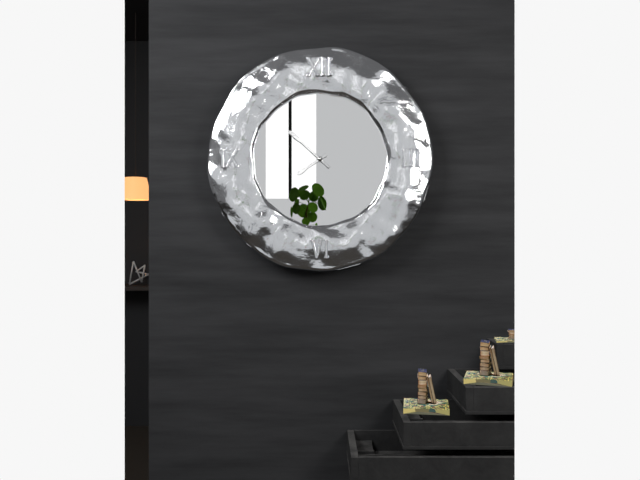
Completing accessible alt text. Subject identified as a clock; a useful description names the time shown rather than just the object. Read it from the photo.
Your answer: 7:52
